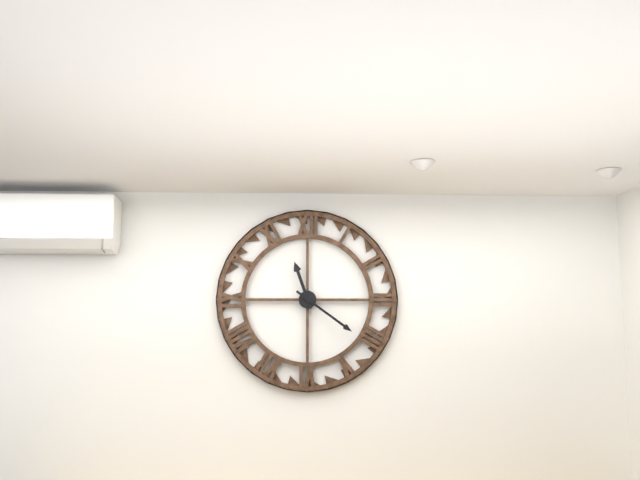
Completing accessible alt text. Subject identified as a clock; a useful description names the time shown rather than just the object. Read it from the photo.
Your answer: 11:21
